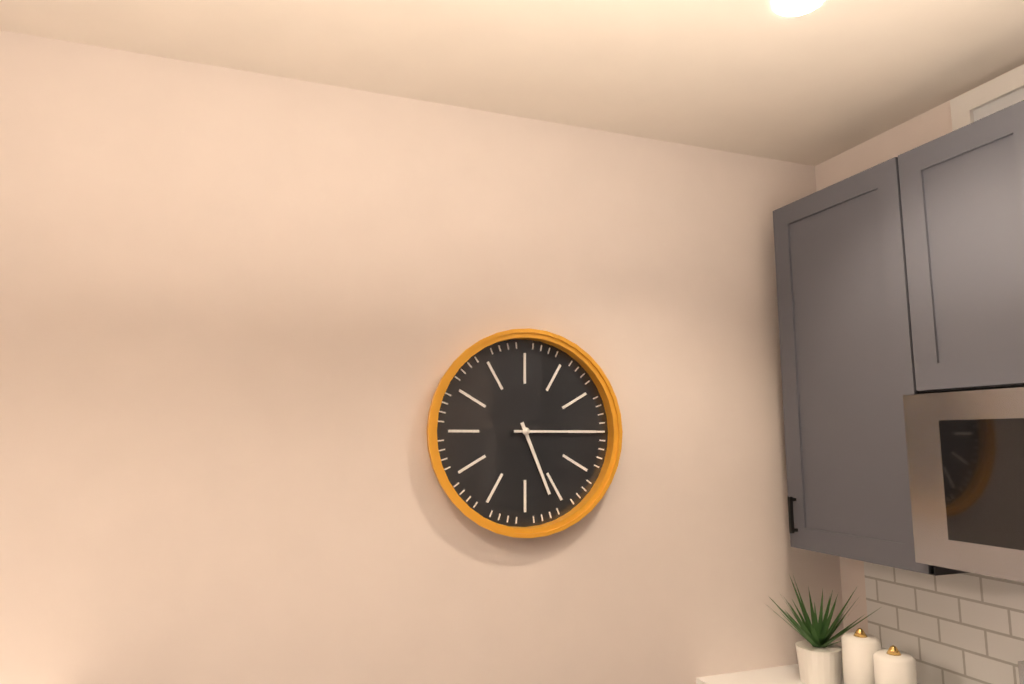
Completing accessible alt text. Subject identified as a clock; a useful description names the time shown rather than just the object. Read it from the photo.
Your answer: 5:15
